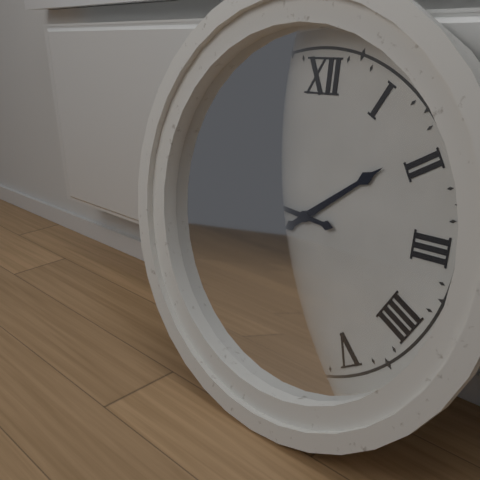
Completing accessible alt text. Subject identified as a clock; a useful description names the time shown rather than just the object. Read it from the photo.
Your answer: 1:46
